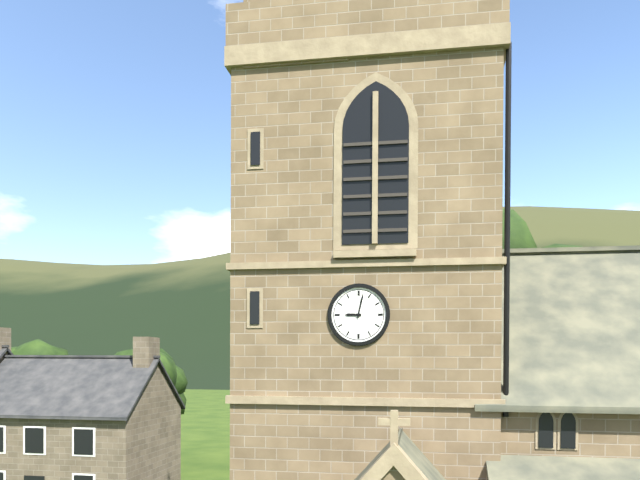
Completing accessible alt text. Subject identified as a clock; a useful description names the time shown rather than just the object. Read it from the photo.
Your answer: 9:02
